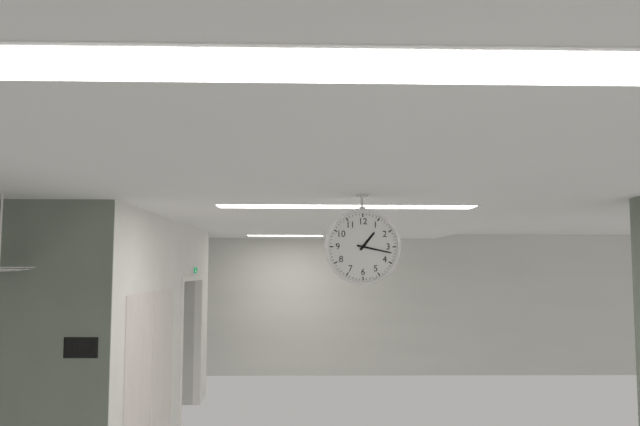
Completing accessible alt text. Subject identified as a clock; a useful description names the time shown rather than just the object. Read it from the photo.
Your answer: 1:17
